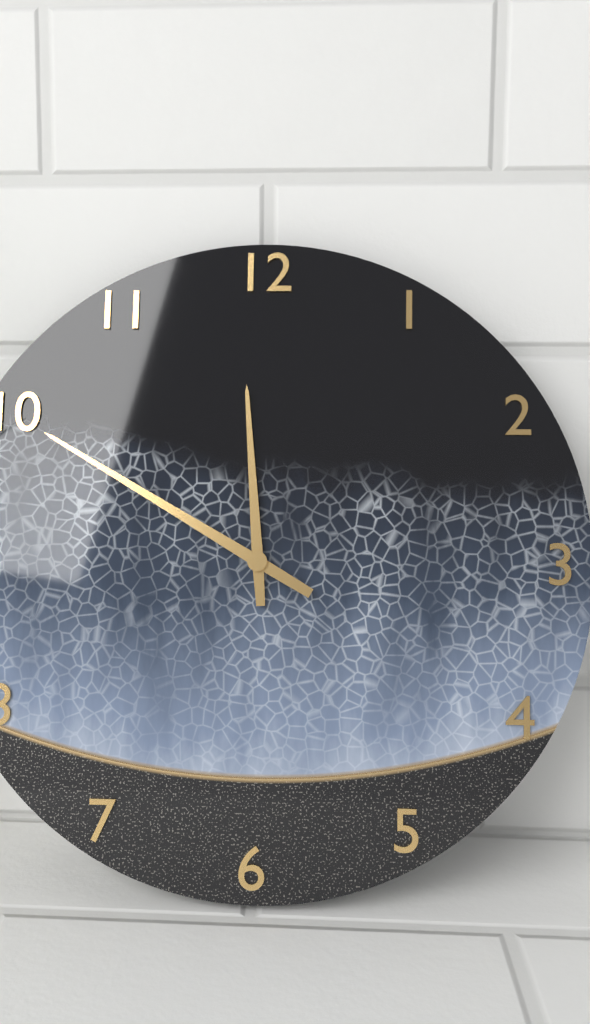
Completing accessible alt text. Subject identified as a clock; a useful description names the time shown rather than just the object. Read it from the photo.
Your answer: 11:50
